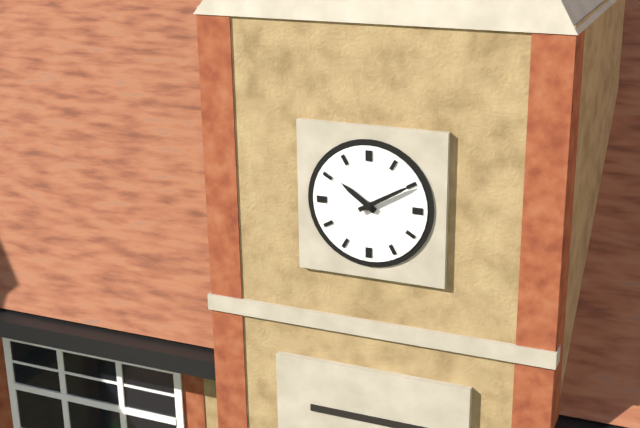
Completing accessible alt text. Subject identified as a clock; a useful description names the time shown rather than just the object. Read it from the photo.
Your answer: 10:10
